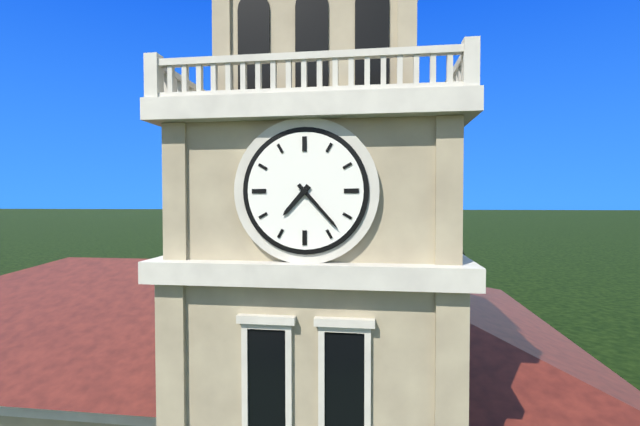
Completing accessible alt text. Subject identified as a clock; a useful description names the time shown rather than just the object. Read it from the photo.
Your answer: 7:23
